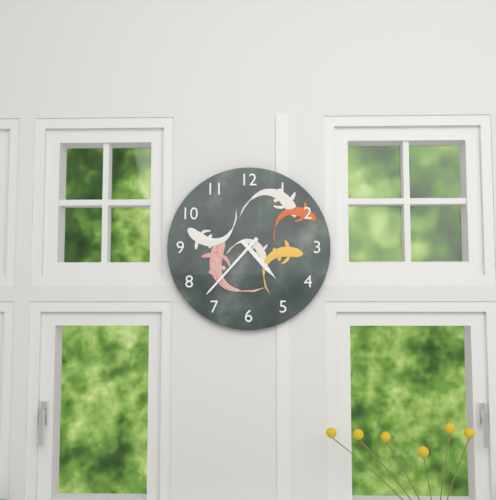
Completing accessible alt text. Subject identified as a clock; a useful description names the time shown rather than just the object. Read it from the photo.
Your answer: 4:37
